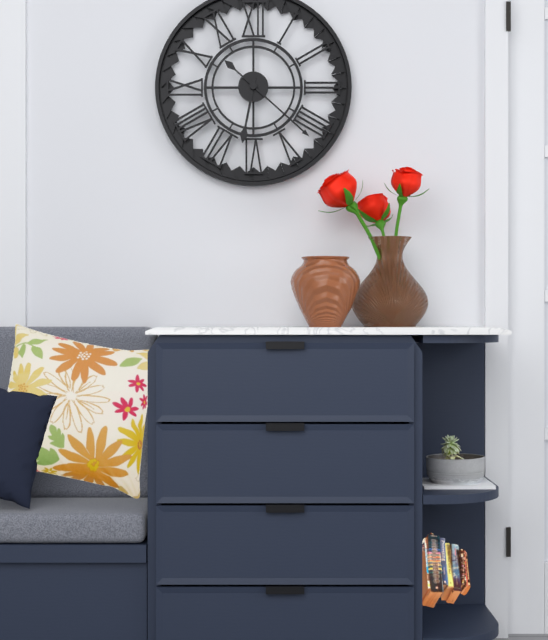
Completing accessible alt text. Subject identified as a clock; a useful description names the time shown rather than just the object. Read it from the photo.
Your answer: 6:22
